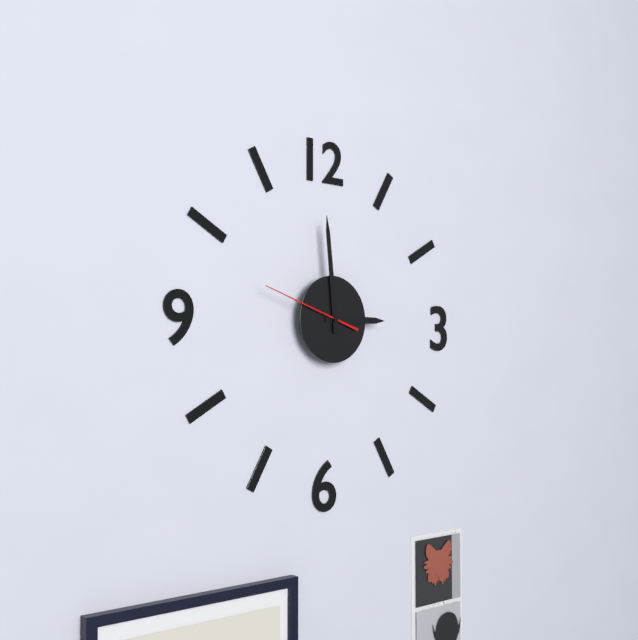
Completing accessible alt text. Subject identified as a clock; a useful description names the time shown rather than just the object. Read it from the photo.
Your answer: 2:59:48
